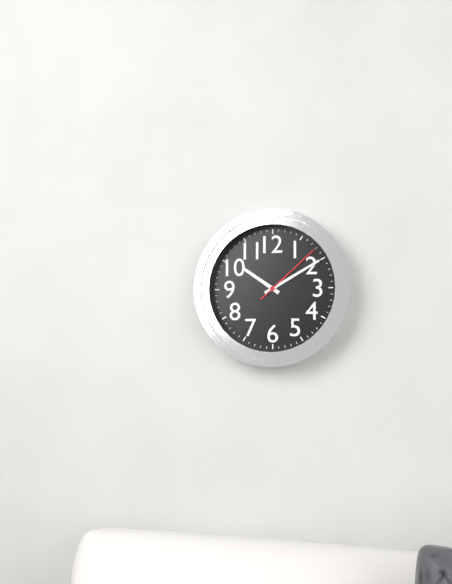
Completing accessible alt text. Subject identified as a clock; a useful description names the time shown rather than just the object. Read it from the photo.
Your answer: 10:10:08
